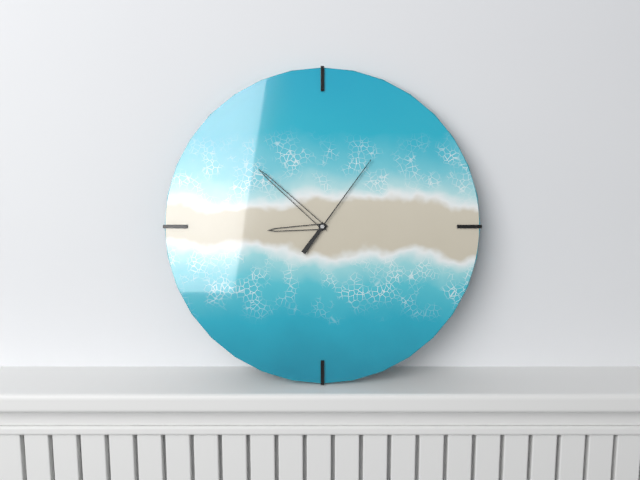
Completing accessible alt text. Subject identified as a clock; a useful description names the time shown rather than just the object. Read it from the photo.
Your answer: 8:52:06
